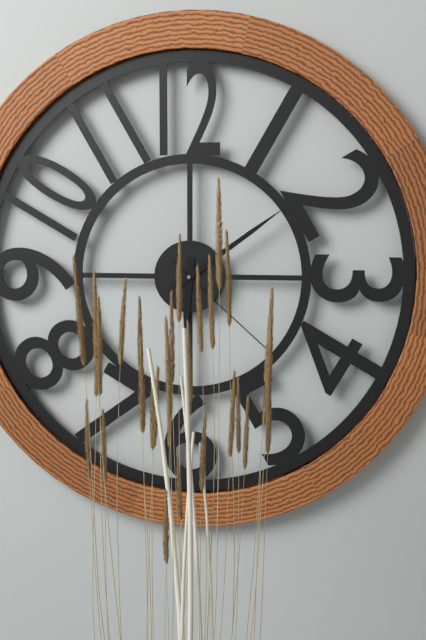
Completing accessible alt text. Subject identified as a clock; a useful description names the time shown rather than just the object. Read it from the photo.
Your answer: 6:09:22
